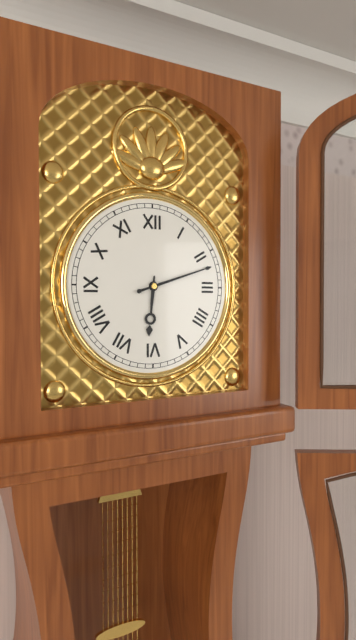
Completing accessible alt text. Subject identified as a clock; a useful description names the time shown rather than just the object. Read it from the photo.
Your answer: 6:12
